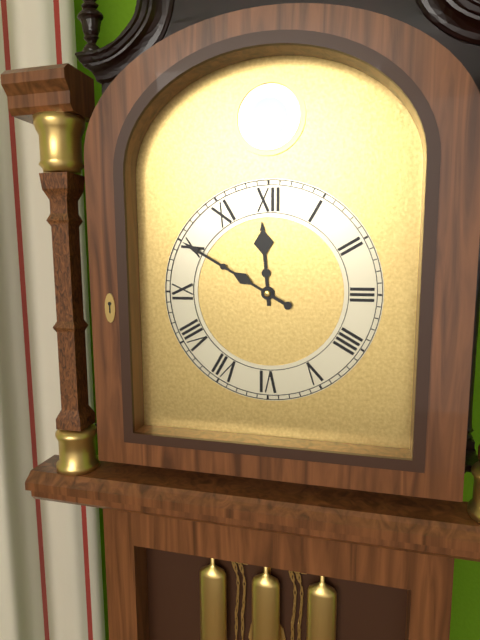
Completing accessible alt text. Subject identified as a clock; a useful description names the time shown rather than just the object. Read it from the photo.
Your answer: 11:50
